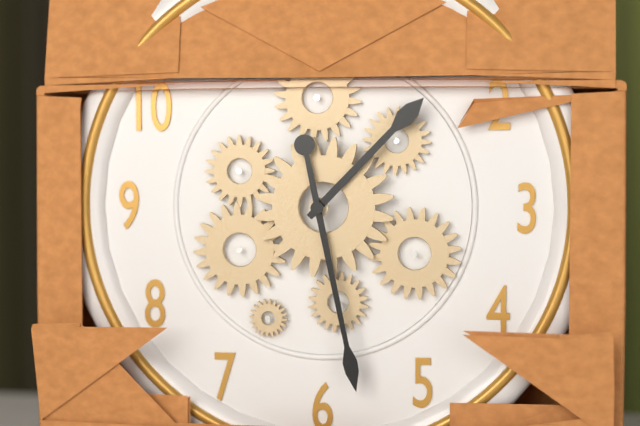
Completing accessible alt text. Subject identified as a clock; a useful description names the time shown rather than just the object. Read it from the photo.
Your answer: 1:28
